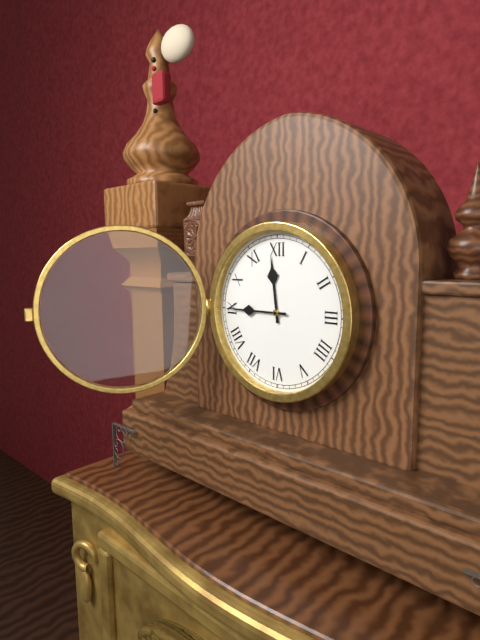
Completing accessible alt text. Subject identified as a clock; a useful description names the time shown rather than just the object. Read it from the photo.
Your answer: 11:45
